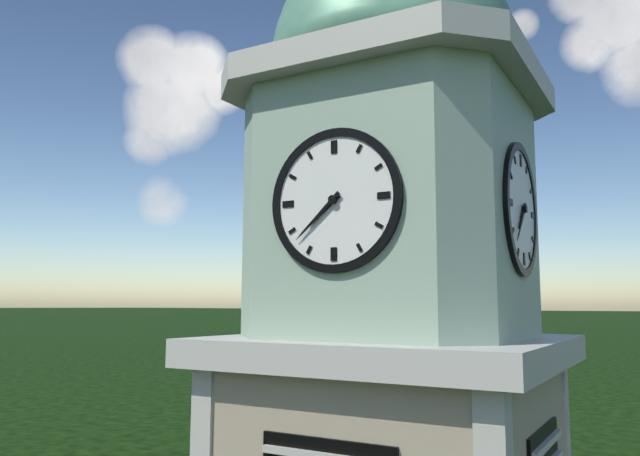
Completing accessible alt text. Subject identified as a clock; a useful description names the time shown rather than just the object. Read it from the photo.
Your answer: 7:38
